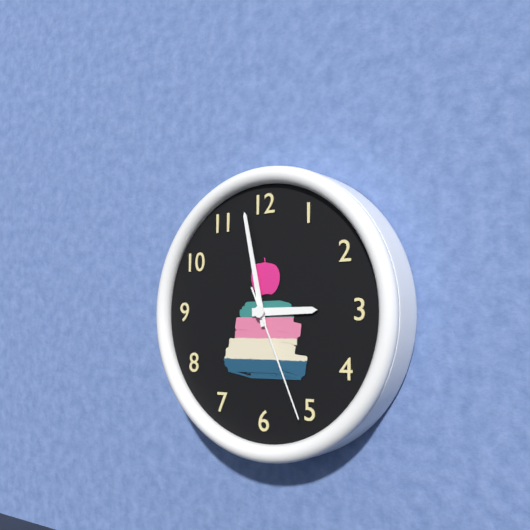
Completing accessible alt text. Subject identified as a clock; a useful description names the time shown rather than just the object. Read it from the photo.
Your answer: 2:58:26
